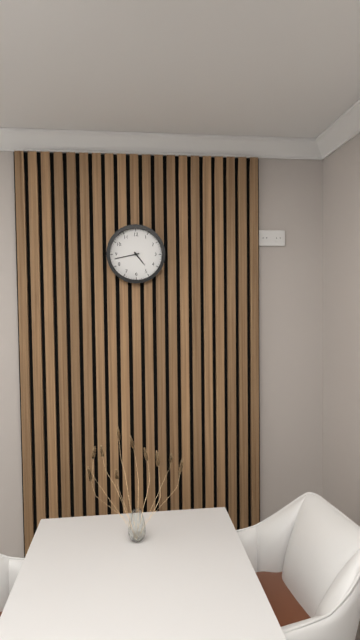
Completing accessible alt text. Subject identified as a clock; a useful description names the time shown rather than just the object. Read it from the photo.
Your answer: 4:43
